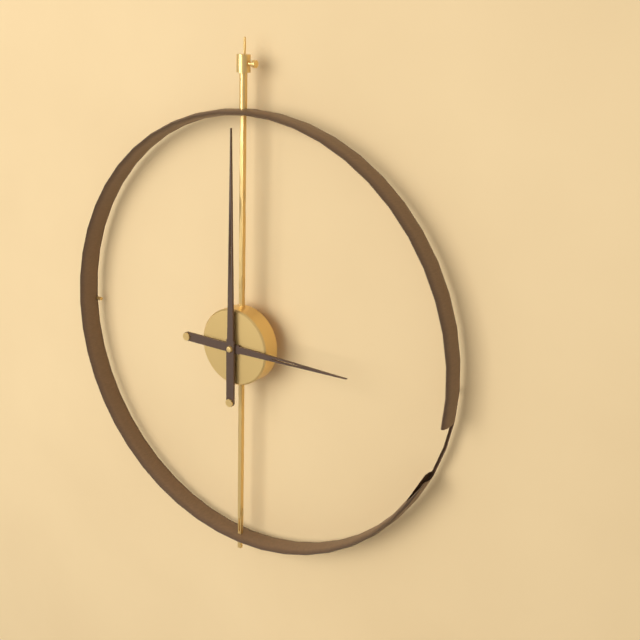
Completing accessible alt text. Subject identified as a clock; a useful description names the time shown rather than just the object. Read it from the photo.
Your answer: 3:00
